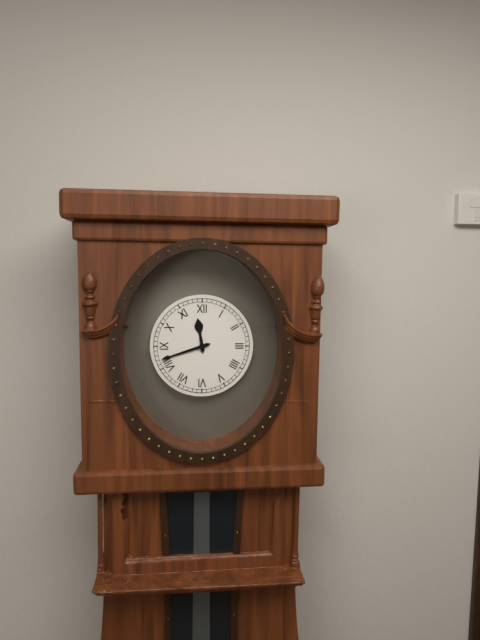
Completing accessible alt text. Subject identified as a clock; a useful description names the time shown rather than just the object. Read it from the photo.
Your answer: 11:42
